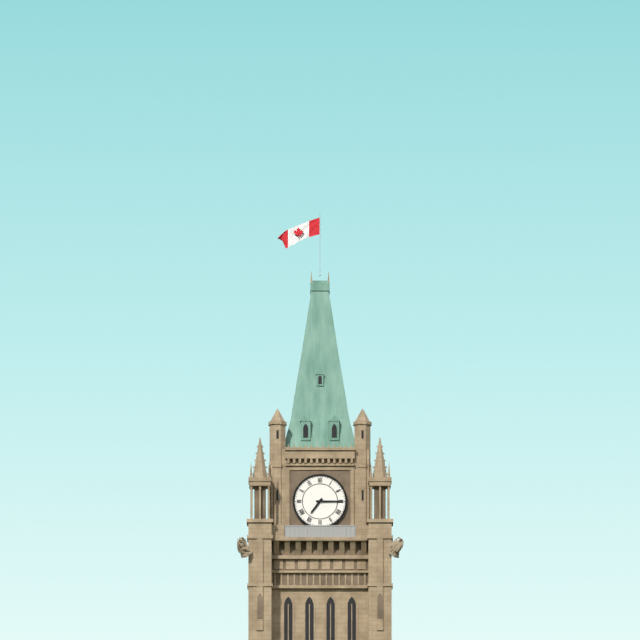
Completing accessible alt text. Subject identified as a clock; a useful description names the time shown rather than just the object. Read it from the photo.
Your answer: 7:15
